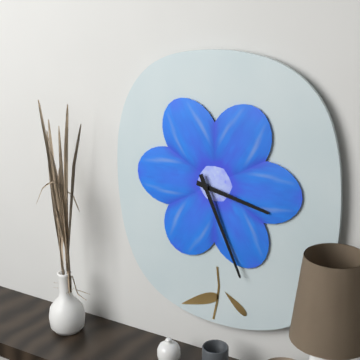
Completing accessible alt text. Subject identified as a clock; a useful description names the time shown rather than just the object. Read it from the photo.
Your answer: 3:26
